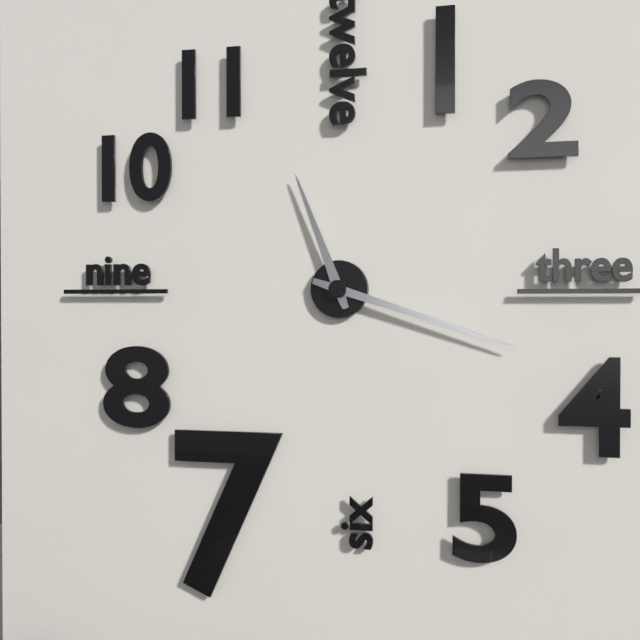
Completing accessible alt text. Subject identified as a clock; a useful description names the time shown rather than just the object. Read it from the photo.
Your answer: 11:18
